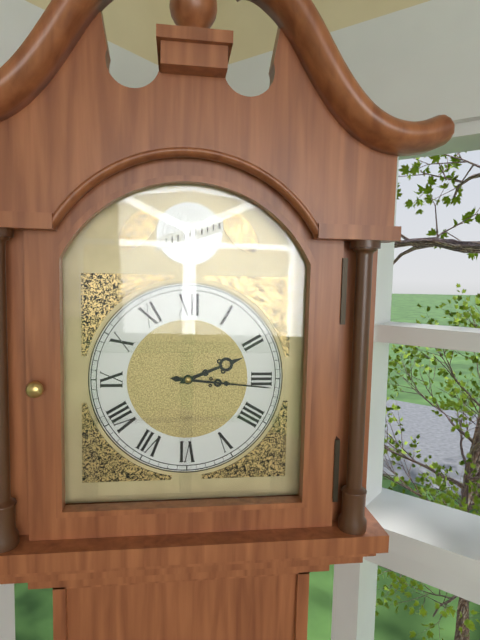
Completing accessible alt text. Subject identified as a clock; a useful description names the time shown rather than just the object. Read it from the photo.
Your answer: 2:16
